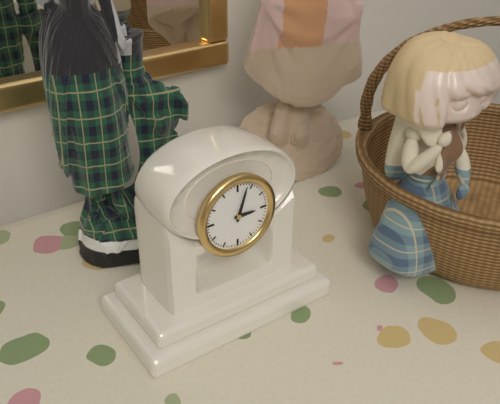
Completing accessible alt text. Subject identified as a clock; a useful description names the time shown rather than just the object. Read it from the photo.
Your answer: 3:03
